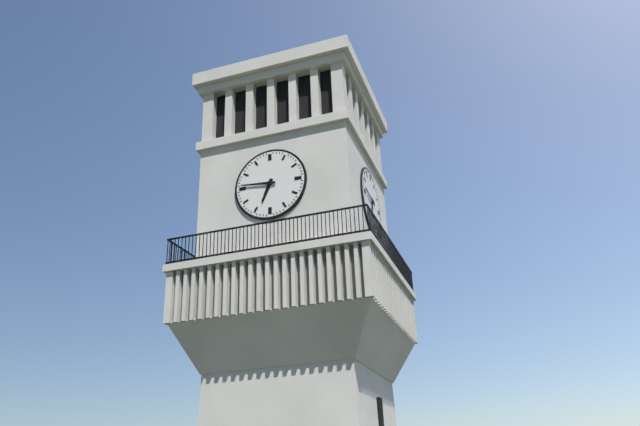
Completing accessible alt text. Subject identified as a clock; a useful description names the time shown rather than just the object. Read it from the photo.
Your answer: 6:46
